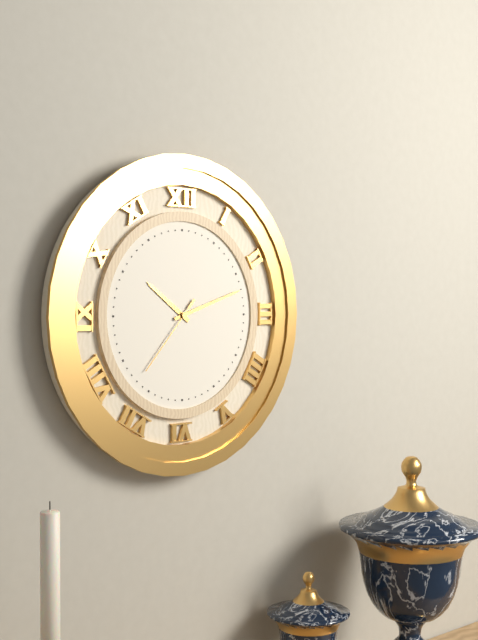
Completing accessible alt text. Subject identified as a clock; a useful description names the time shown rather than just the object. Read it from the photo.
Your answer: 10:12:37
